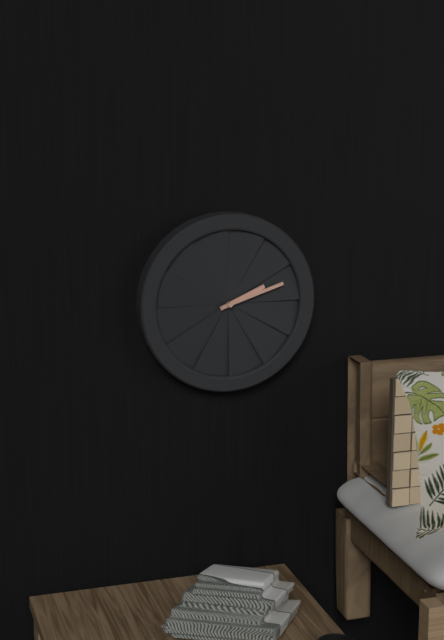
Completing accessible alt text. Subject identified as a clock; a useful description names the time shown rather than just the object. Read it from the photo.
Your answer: 2:12
